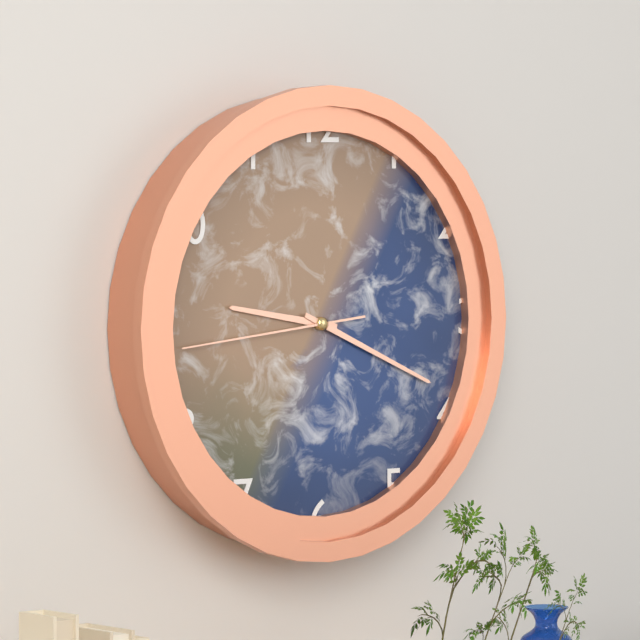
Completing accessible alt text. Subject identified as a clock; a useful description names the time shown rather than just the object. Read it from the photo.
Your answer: 9:19:44
